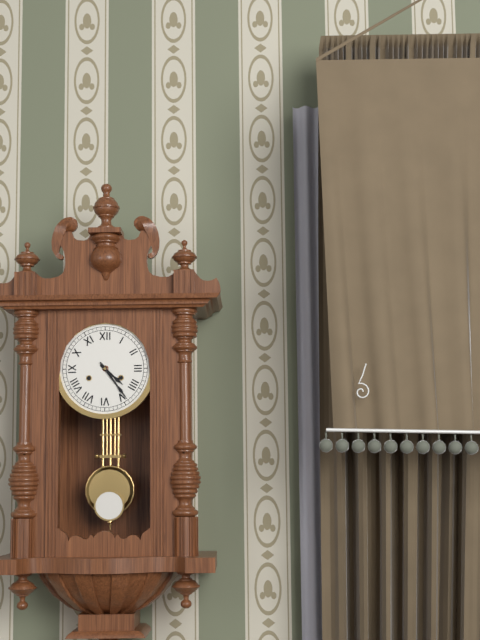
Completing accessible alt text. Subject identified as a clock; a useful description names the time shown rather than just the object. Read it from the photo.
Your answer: 4:24
